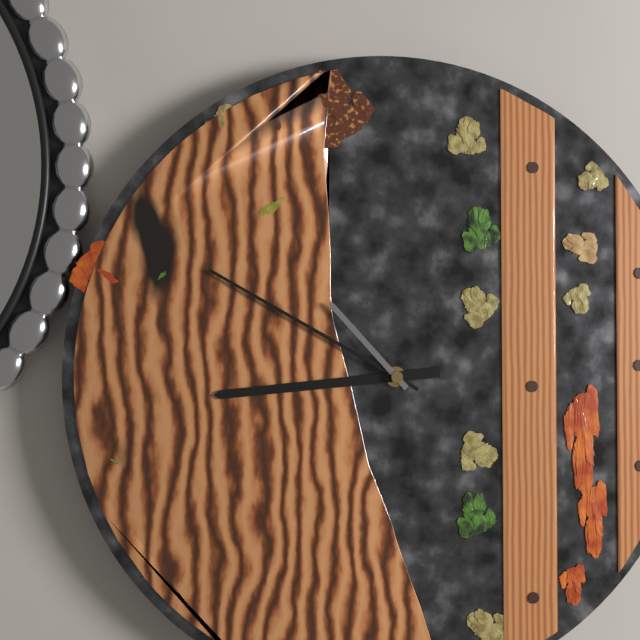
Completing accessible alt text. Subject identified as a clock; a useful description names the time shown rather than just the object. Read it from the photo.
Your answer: 8:50:53
